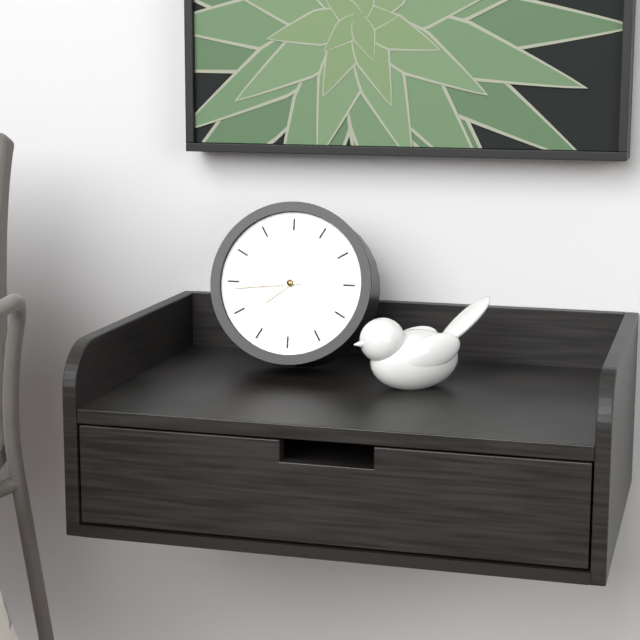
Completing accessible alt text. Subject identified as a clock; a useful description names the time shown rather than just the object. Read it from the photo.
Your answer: 7:44
